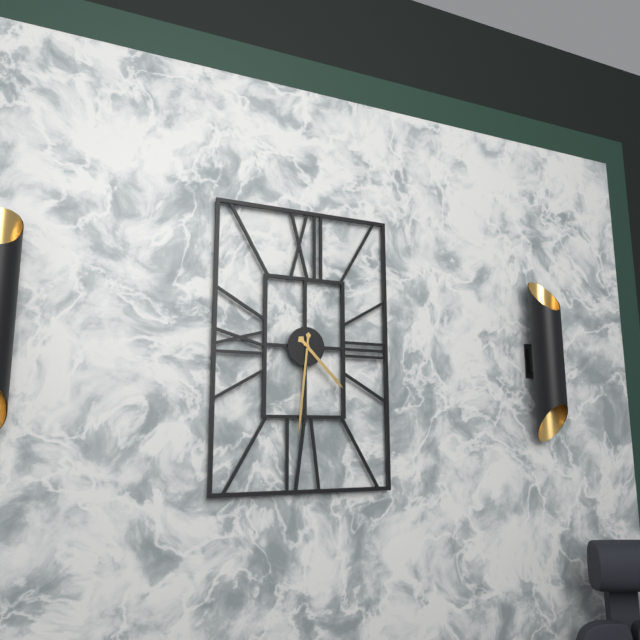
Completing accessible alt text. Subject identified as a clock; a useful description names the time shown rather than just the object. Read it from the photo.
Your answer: 4:31
